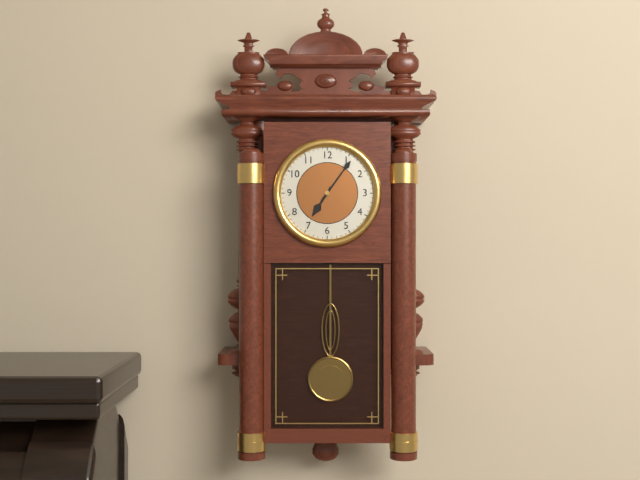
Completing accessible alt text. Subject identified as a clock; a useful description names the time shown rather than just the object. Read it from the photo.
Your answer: 7:06
